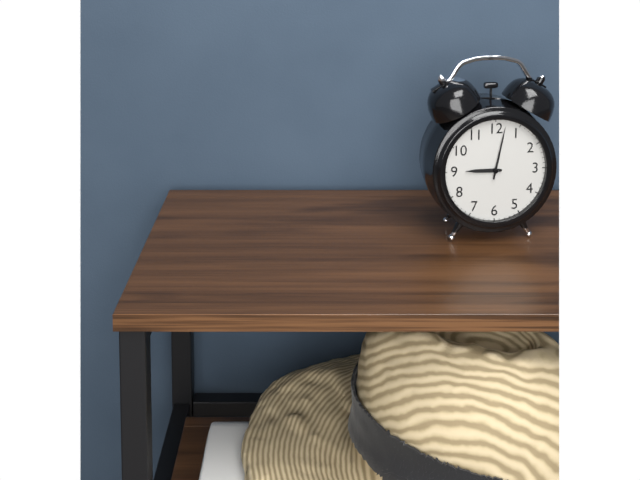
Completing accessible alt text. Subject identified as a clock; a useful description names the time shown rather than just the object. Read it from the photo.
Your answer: 9:02
